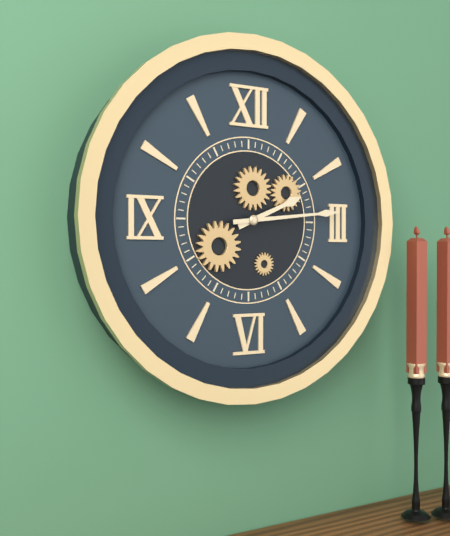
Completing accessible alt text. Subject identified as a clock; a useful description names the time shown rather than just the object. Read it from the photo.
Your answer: 2:14
